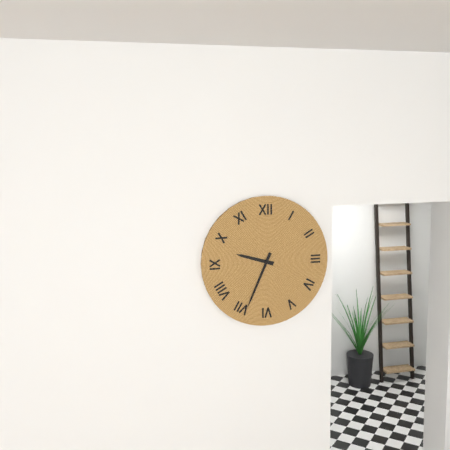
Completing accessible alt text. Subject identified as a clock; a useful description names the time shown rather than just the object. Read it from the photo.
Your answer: 9:34
